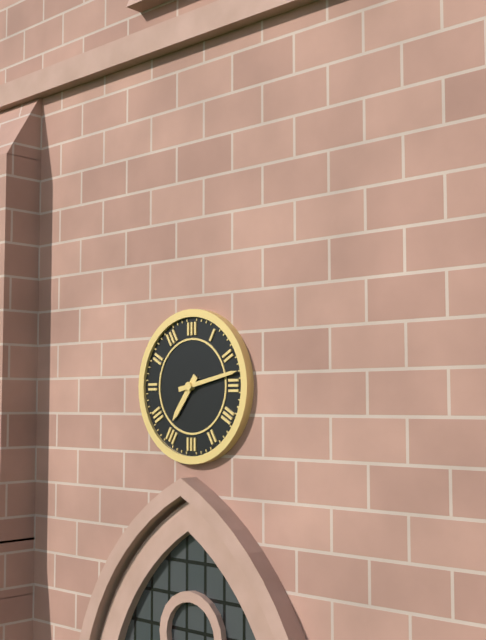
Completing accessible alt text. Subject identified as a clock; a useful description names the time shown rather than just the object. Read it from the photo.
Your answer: 7:13
